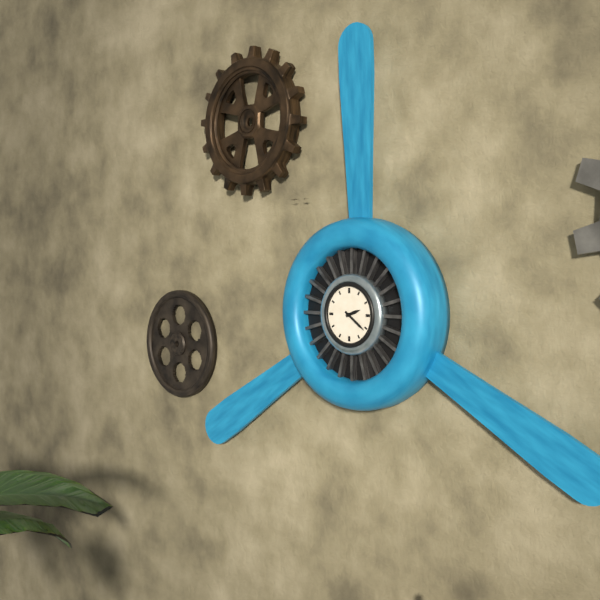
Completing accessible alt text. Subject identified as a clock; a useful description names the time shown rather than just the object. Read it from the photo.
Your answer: 2:21
